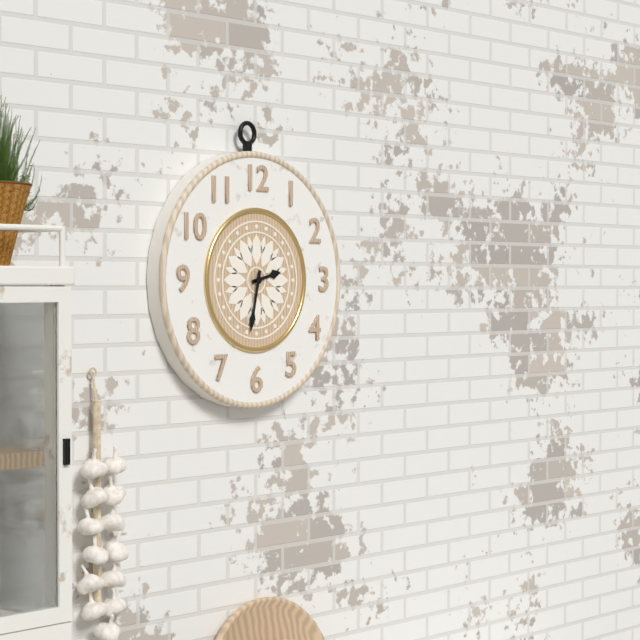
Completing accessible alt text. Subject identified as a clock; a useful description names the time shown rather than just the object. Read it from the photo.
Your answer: 2:32
